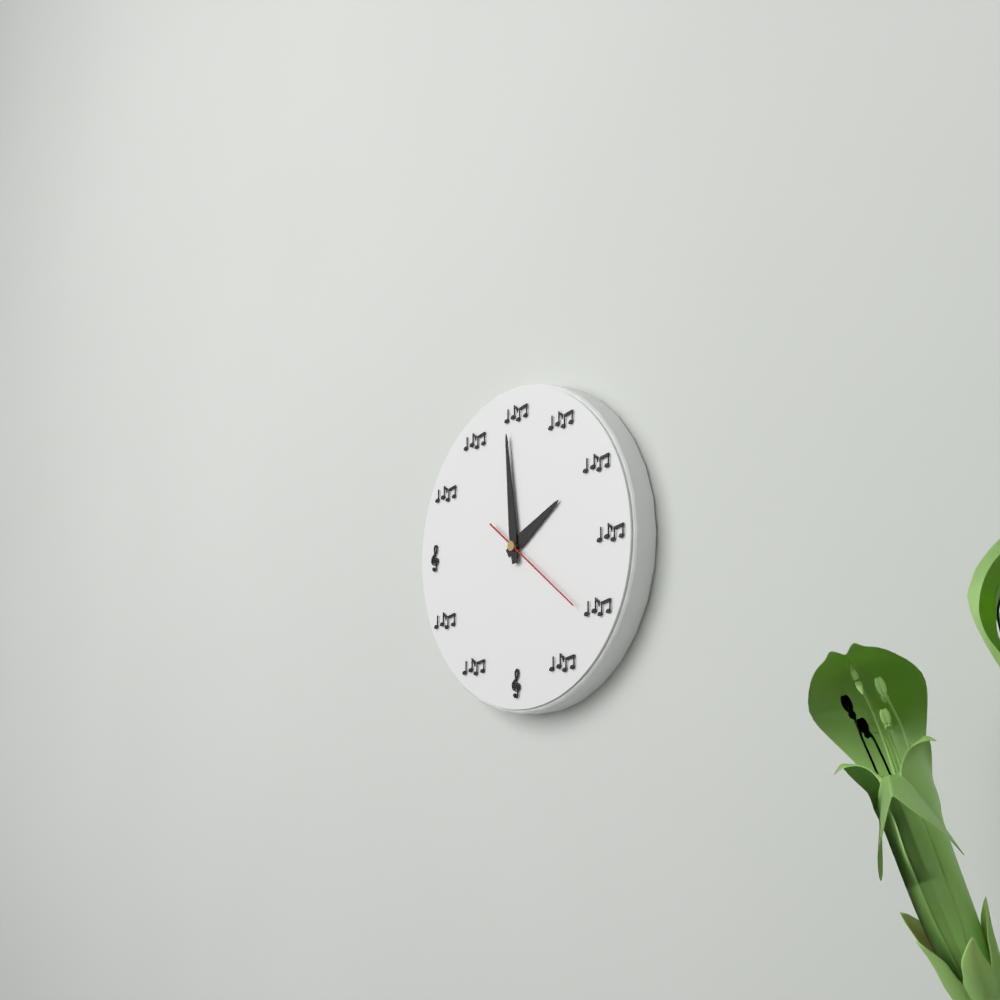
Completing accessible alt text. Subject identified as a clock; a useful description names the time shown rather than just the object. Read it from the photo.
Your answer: 1:59:21
